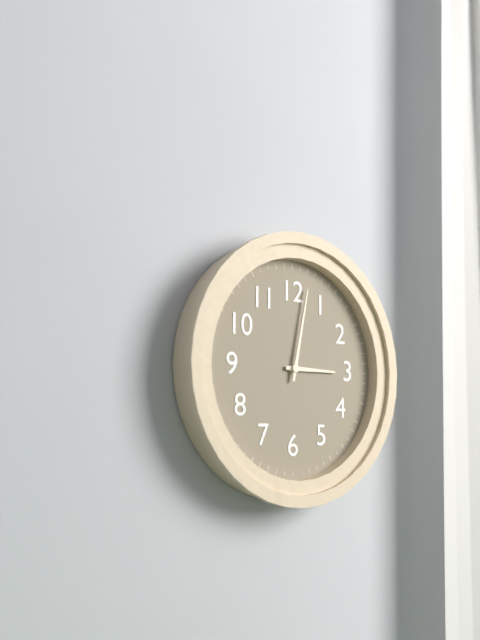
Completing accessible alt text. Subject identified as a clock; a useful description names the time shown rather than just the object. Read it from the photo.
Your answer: 3:02
